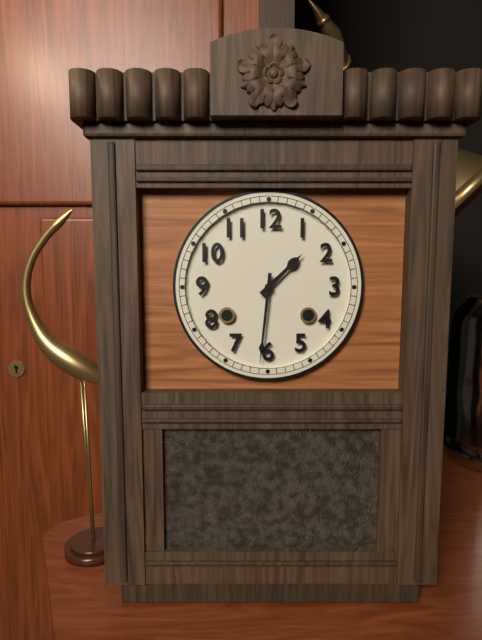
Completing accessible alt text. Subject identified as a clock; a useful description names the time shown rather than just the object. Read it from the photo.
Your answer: 1:31
